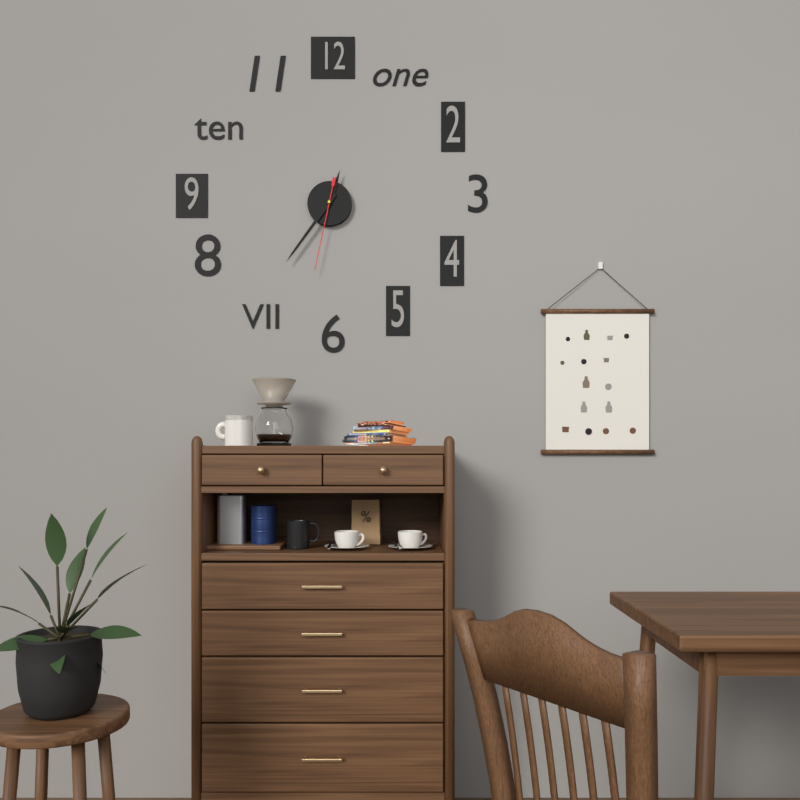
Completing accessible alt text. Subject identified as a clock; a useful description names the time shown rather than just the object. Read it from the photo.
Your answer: 12:36:32
